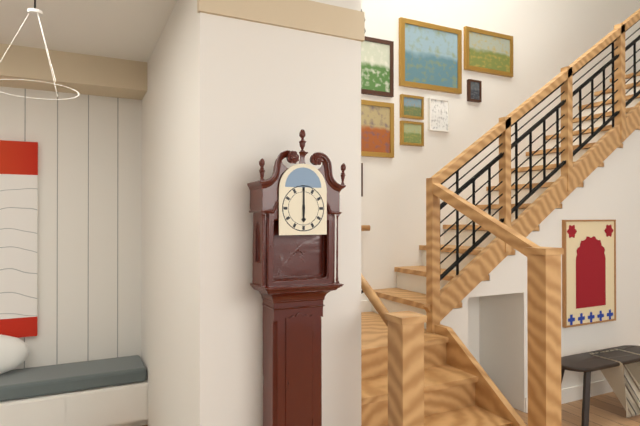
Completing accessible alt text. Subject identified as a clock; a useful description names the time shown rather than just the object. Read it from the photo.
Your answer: 6:00
